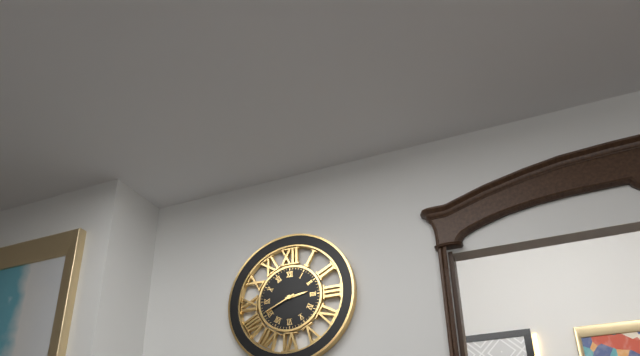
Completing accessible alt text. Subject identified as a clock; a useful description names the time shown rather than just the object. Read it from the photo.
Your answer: 2:41
